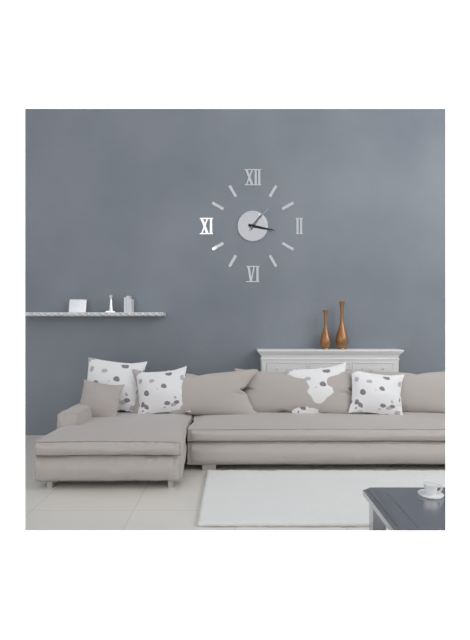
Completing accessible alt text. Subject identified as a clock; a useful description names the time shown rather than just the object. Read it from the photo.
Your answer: 1:17
